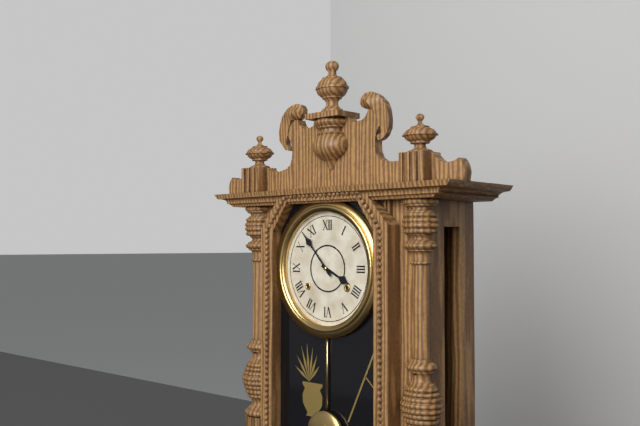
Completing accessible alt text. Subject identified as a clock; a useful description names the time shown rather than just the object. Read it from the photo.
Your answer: 3:53
